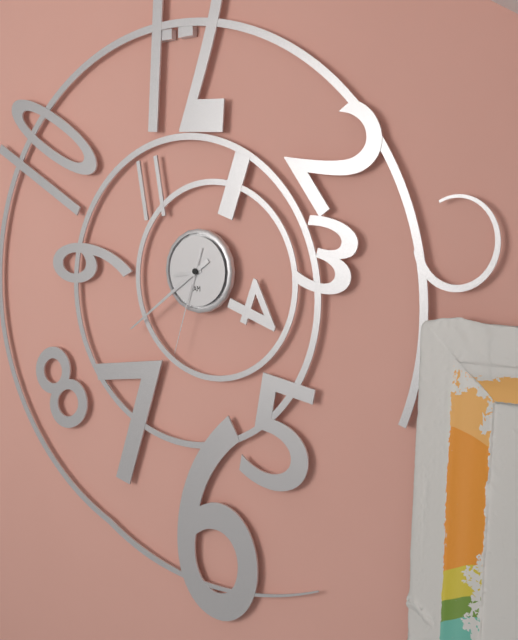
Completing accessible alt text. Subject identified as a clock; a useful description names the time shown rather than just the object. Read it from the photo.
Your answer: 8:39:33
